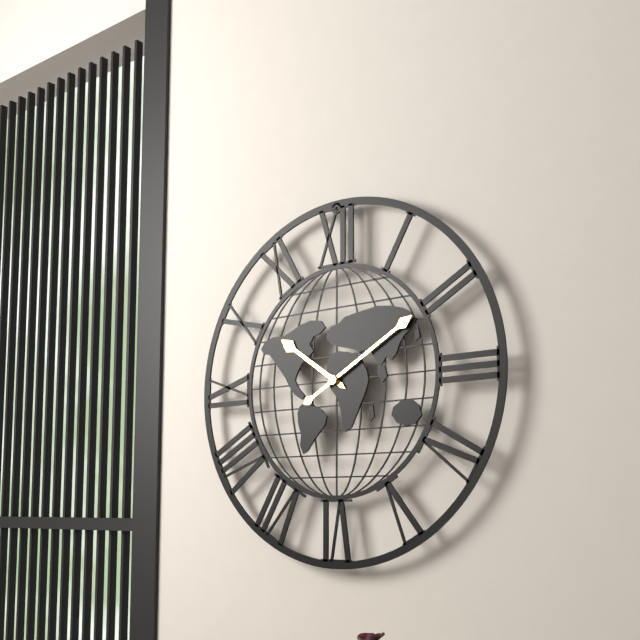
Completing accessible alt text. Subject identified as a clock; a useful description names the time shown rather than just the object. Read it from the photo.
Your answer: 10:10
